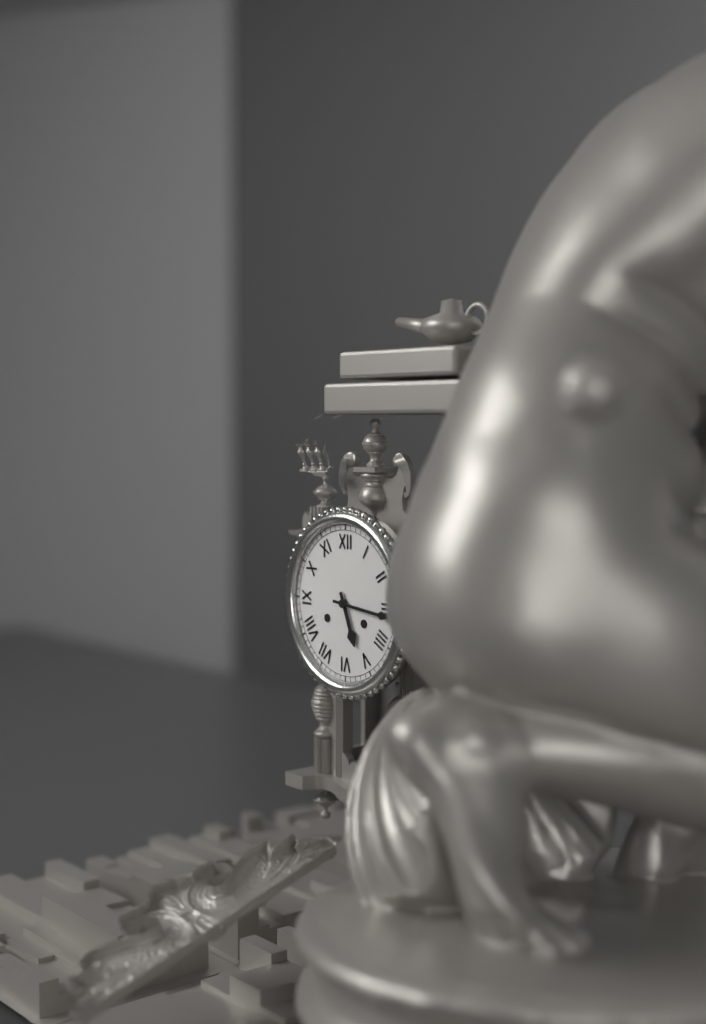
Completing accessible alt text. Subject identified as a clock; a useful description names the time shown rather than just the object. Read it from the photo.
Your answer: 5:16
